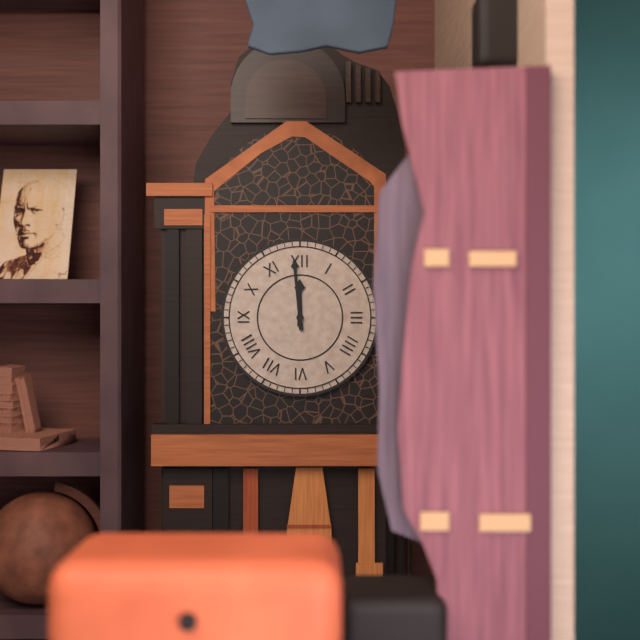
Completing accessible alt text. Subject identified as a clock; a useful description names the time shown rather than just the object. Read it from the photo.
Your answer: 11:59
